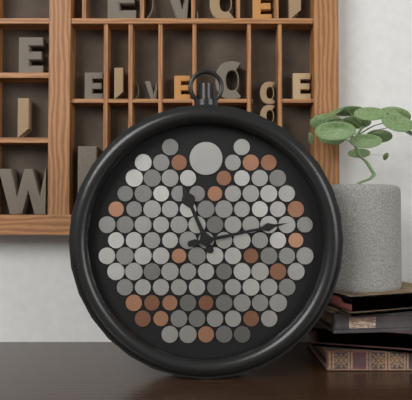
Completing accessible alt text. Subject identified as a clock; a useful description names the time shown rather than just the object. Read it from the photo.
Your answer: 11:13
